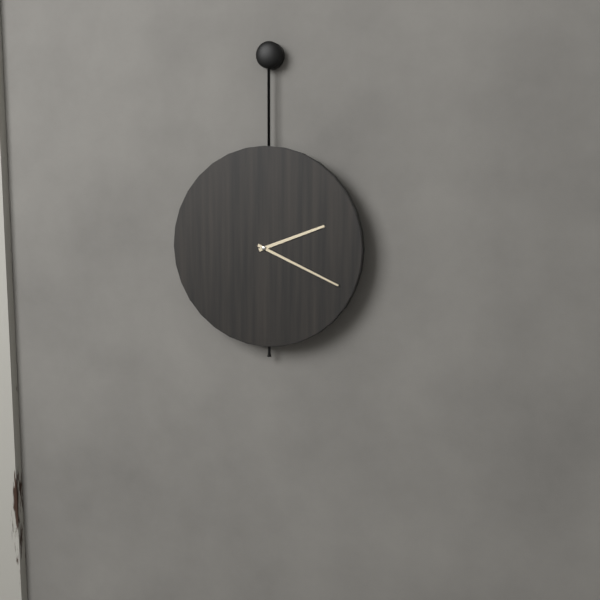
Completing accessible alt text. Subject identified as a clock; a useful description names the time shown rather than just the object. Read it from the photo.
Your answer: 2:19
